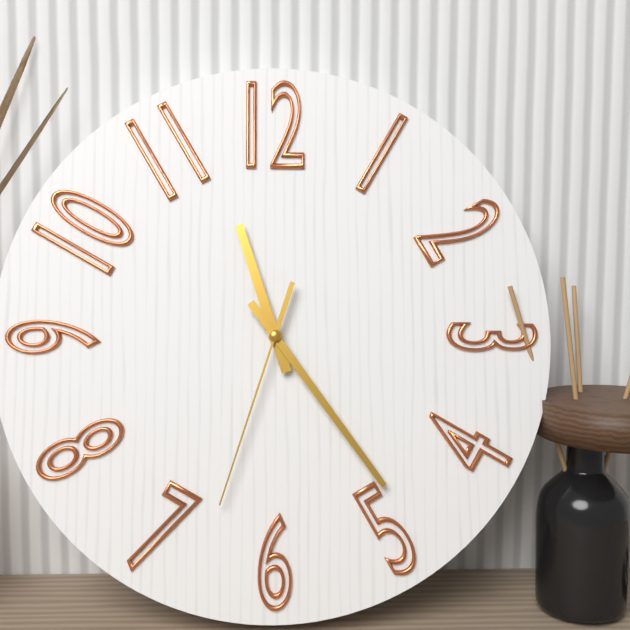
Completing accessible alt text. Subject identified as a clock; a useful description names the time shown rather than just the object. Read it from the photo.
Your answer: 11:24:33
